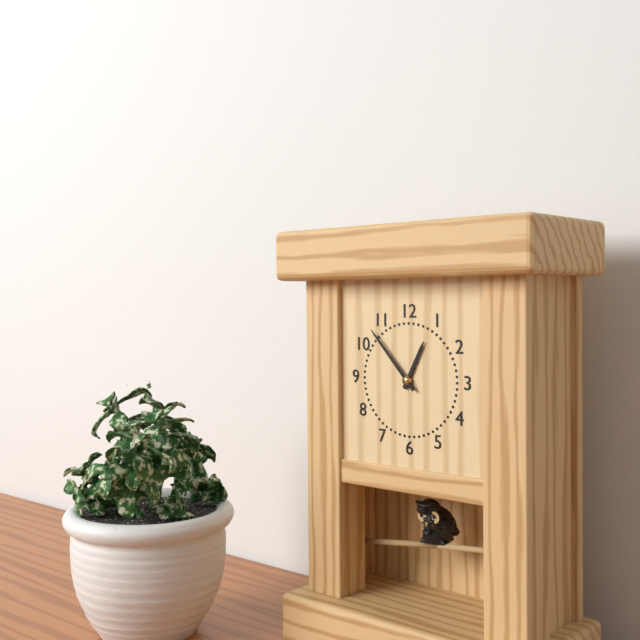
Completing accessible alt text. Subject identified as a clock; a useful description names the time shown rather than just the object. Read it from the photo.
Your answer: 12:53
